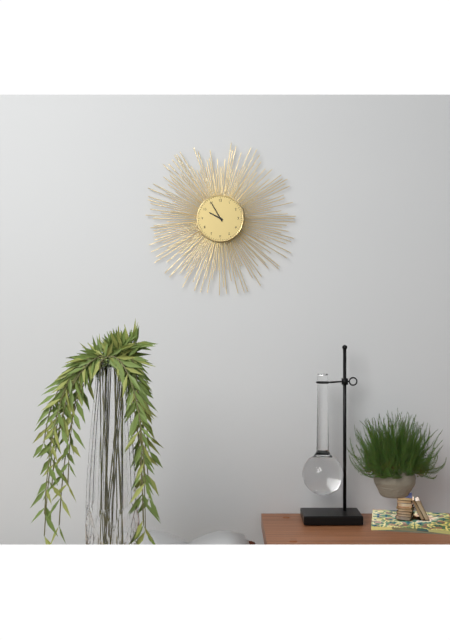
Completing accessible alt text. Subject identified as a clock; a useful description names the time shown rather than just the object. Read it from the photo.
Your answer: 9:55
